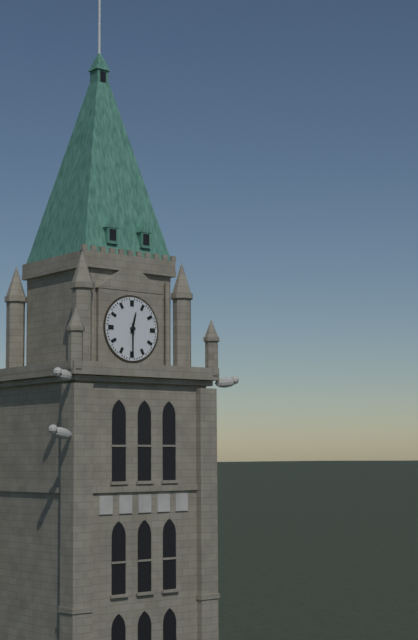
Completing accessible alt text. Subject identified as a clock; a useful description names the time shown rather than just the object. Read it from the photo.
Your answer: 12:30
